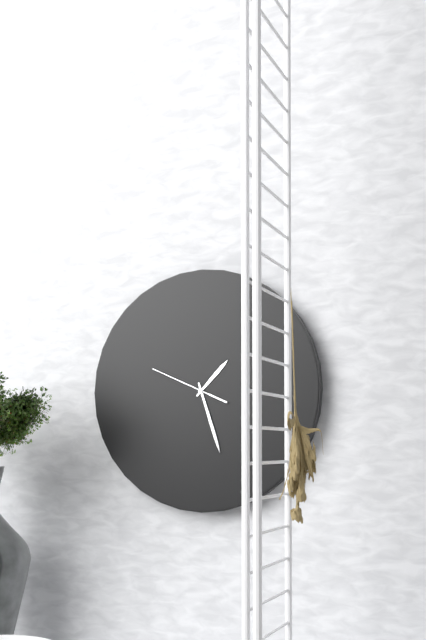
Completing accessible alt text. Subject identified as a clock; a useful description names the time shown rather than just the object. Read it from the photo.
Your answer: 1:27:49
